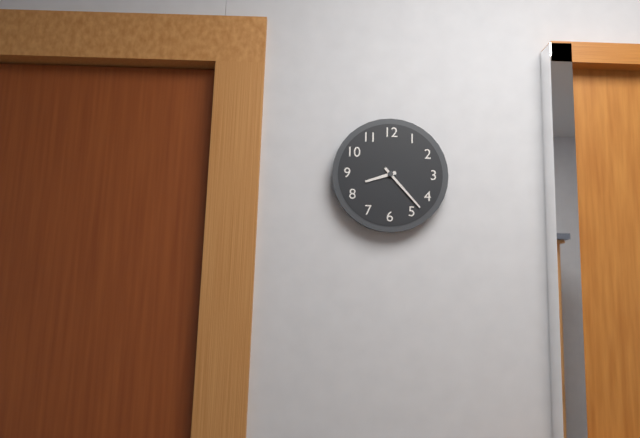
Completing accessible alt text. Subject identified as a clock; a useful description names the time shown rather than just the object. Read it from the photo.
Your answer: 8:23
